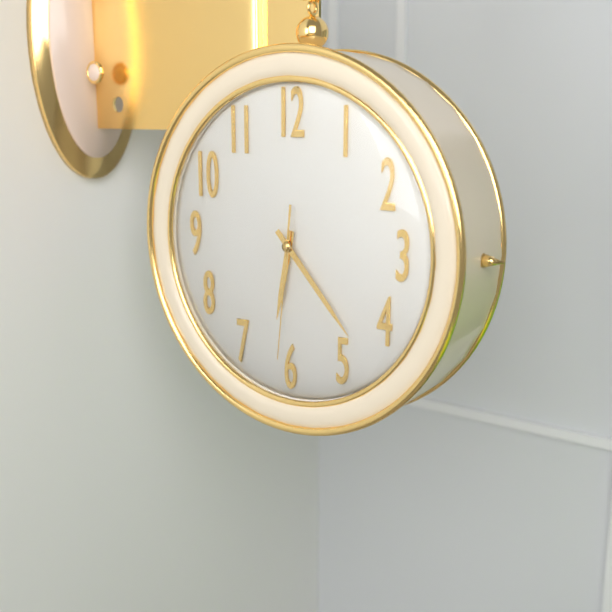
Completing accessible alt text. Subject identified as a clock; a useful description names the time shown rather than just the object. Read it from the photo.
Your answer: 6:23:31
